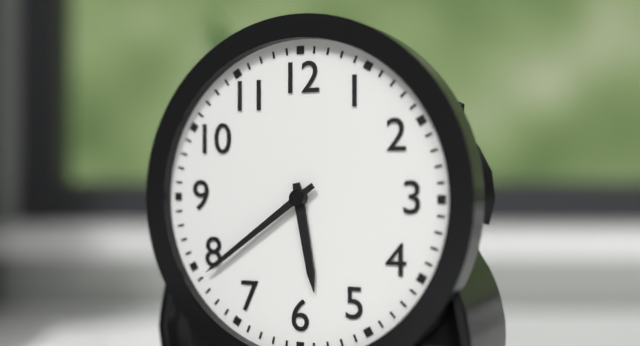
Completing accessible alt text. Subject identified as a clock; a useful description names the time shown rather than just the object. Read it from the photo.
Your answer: 5:39
